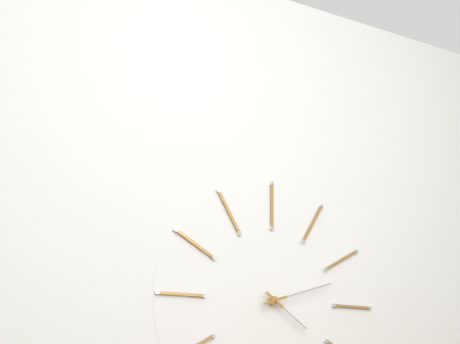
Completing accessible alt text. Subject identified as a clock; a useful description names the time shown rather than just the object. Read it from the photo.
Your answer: 4:12
